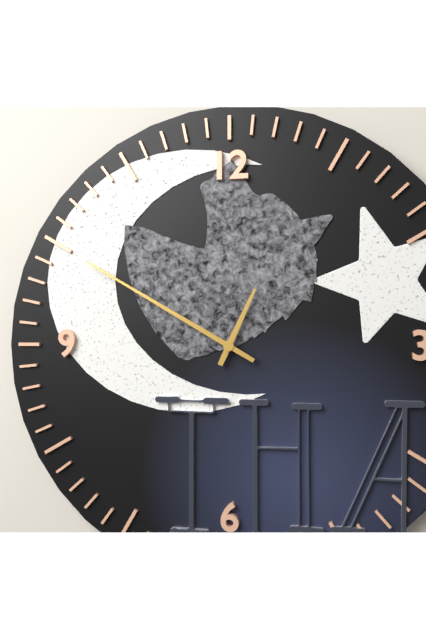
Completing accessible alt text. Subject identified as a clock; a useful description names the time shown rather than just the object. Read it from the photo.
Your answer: 12:50
